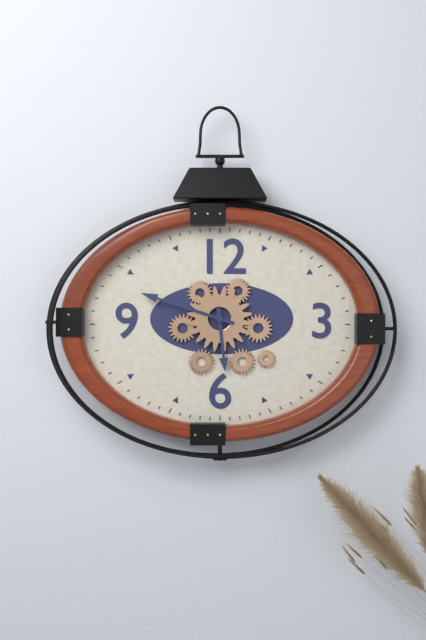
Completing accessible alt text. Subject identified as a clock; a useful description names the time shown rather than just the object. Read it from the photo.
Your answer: 5:48
